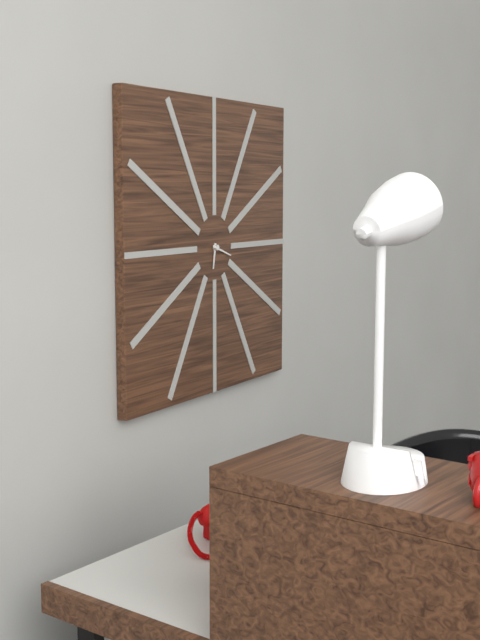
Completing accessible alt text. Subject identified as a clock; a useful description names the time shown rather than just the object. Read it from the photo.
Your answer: 6:18
